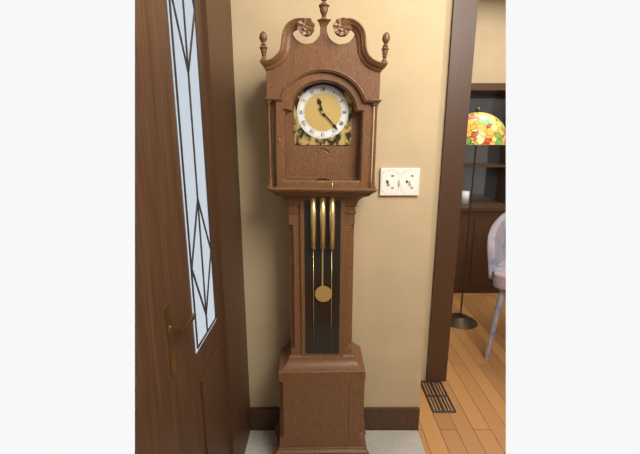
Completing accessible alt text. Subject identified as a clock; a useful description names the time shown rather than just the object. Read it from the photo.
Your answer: 11:23
